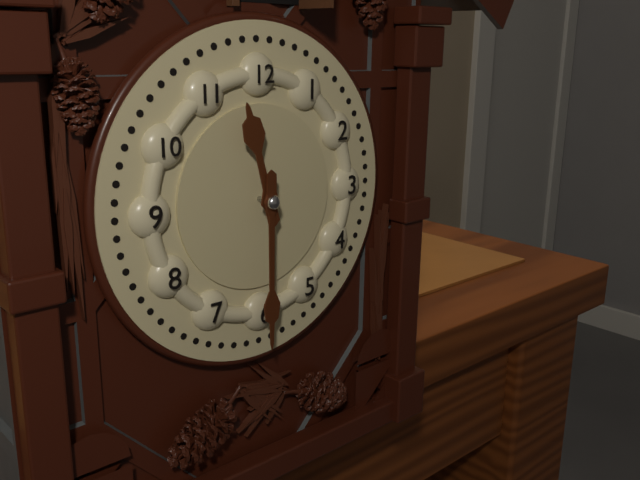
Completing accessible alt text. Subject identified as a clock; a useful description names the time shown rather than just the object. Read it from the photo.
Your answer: 11:30
